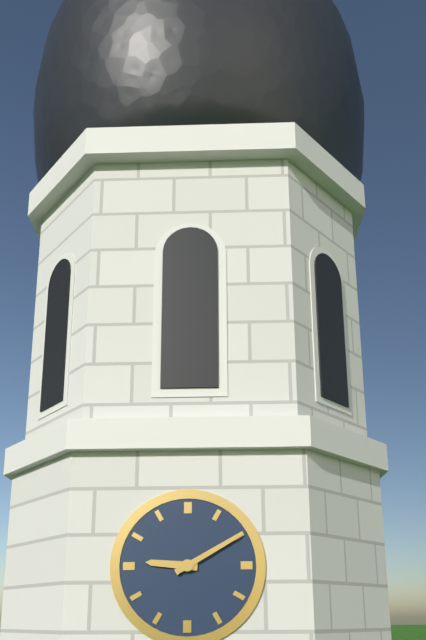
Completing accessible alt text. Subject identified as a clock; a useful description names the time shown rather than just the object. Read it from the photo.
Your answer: 9:10
